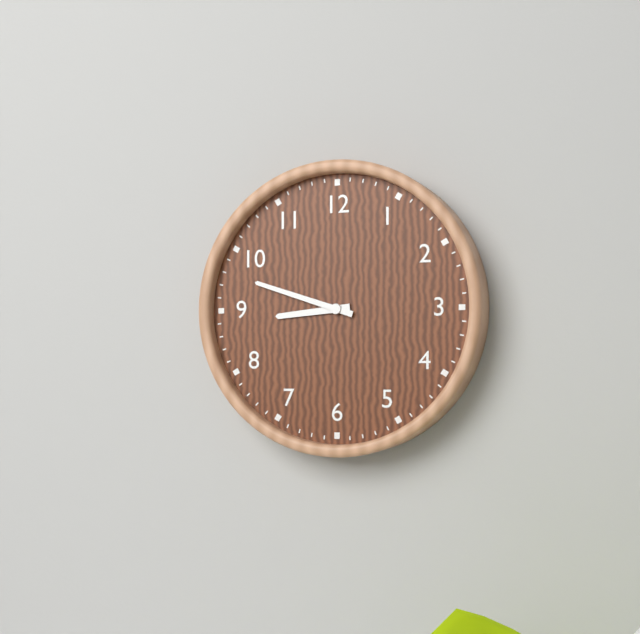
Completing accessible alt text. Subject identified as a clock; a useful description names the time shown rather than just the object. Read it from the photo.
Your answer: 8:48
